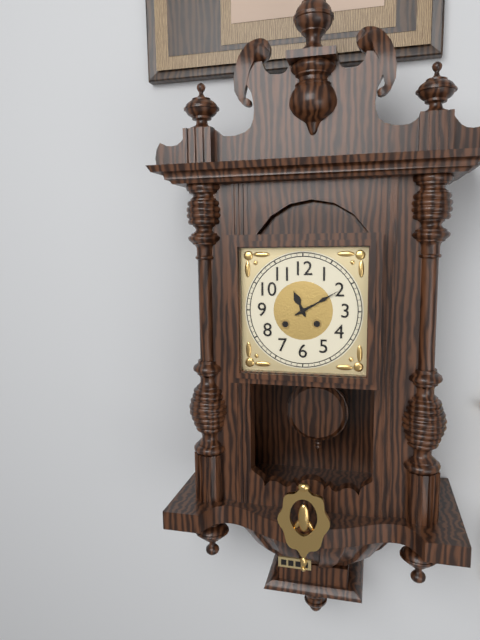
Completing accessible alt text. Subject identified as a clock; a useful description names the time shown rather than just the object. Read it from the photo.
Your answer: 11:10
